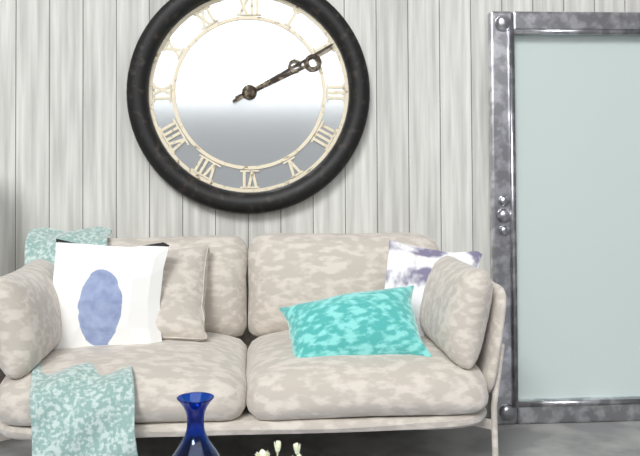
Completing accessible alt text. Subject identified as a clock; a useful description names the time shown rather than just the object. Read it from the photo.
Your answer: 2:10
